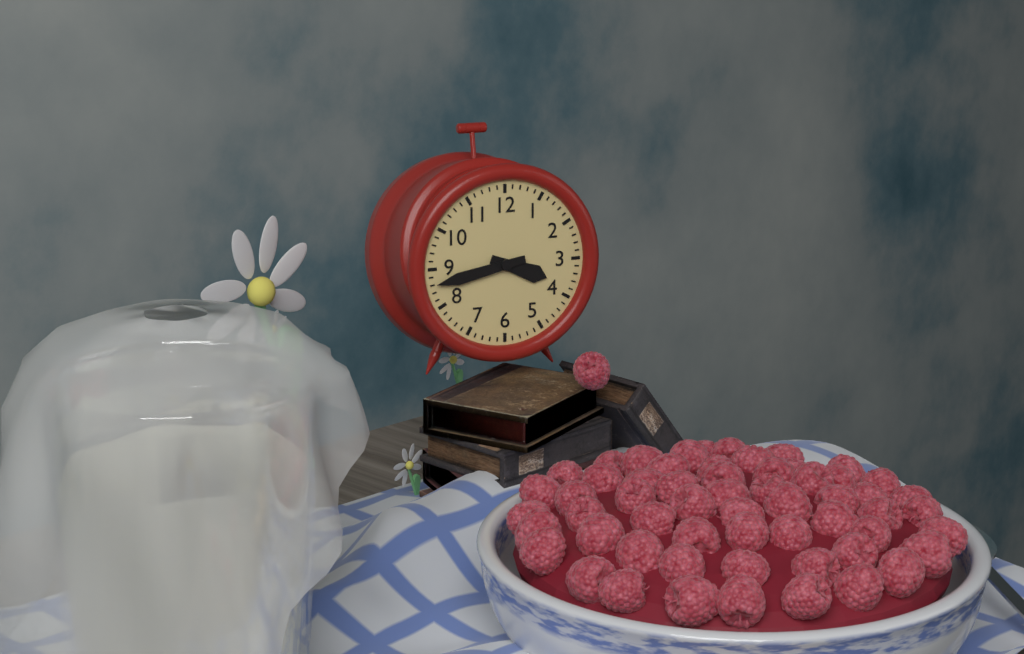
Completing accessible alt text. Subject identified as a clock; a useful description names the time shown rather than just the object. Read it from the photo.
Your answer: 3:43
